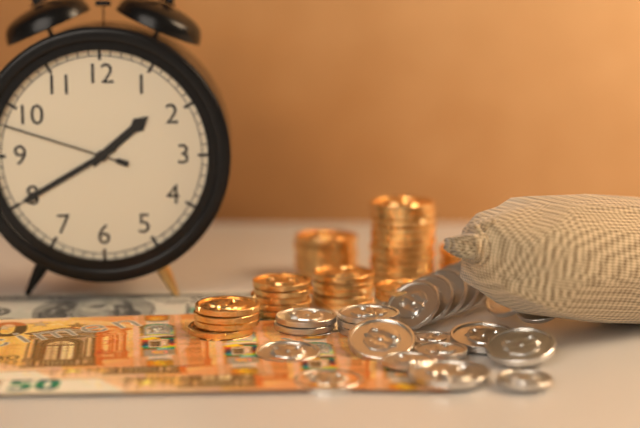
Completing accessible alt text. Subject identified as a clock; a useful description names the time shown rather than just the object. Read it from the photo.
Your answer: 1:40:48
